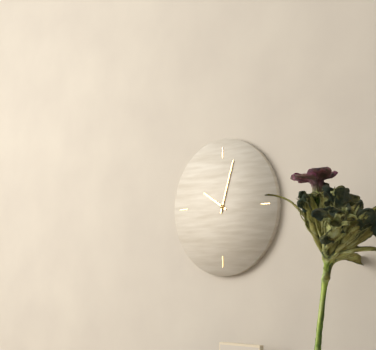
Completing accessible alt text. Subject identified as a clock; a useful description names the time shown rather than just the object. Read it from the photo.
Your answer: 10:03
